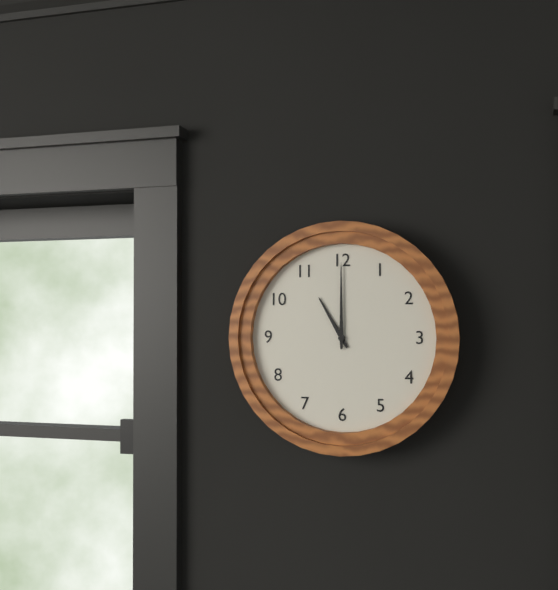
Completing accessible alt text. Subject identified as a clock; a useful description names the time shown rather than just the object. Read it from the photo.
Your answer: 11:00
